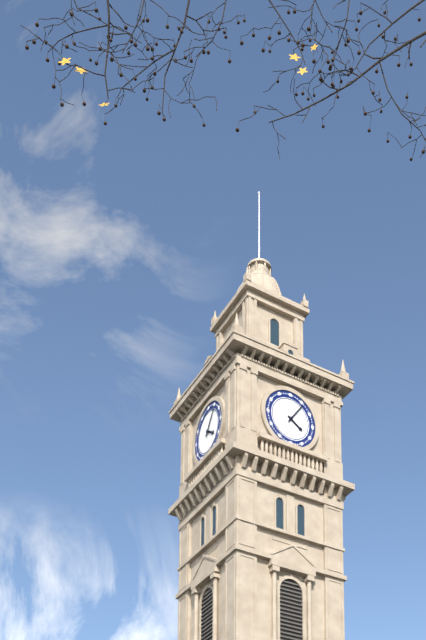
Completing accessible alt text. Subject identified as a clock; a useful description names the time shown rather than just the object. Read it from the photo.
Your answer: 4:06
